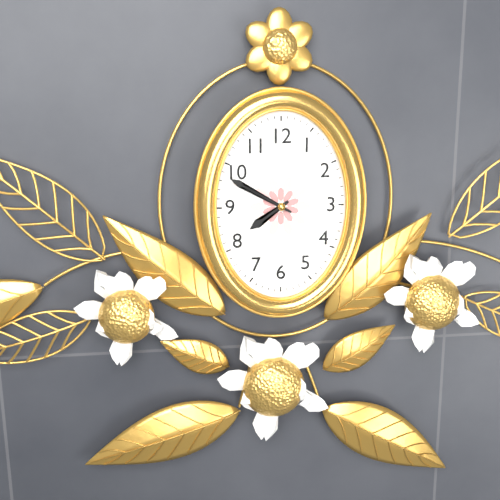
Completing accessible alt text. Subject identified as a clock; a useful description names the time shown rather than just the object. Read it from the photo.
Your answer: 7:50
